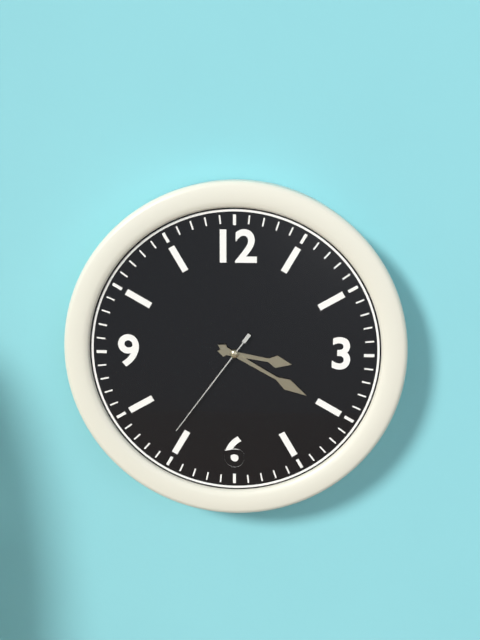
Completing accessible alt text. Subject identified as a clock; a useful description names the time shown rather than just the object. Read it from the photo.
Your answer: 3:20:36
